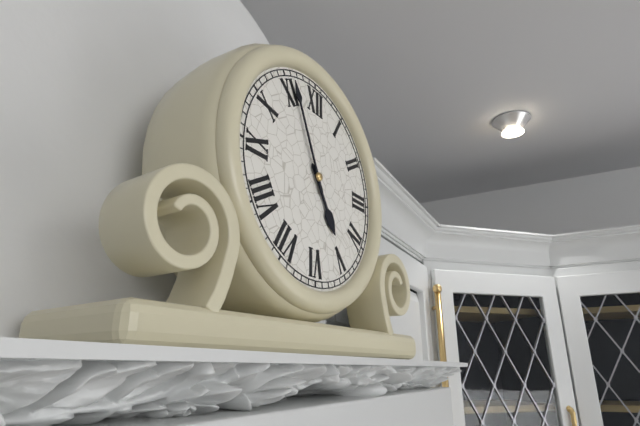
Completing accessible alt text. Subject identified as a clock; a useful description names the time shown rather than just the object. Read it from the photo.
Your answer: 4:56
